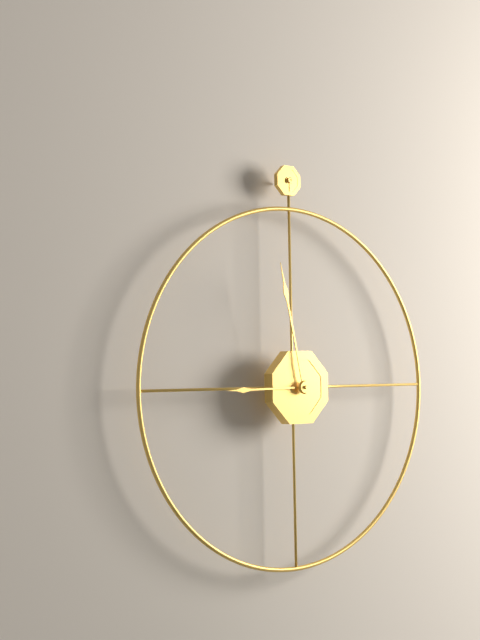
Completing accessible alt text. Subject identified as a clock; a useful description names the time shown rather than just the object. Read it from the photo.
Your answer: 8:58
